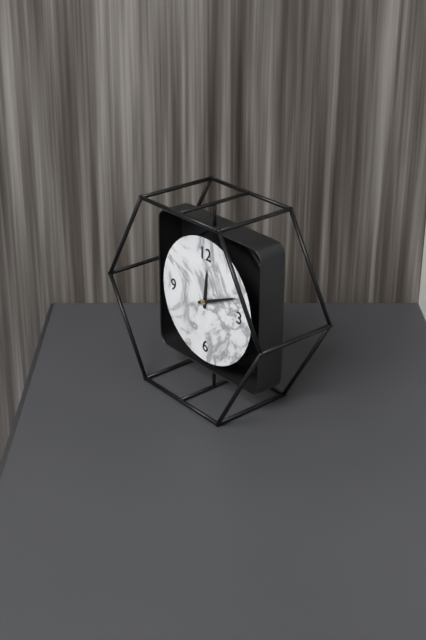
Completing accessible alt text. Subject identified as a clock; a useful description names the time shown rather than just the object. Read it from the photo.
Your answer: 12:11
